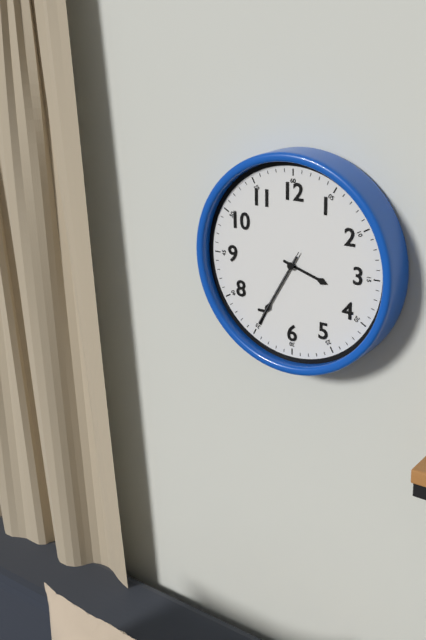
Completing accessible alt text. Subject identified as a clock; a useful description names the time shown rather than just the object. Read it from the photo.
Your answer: 3:35:35
